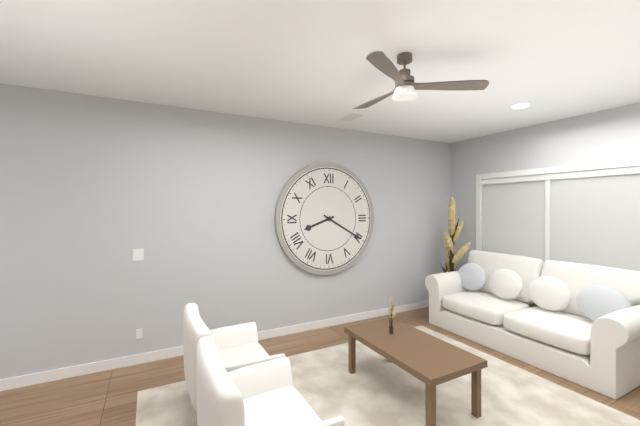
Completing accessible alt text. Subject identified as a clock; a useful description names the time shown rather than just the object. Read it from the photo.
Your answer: 8:20
